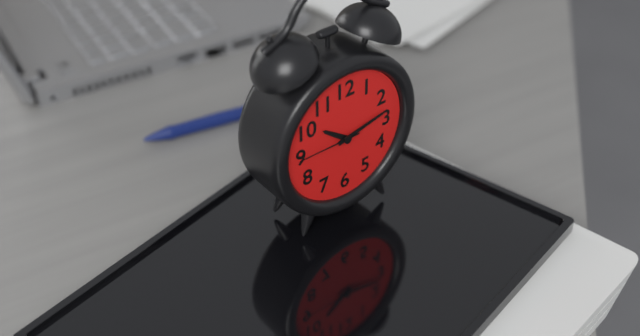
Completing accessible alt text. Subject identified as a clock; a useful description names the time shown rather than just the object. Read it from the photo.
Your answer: 10:13:45
